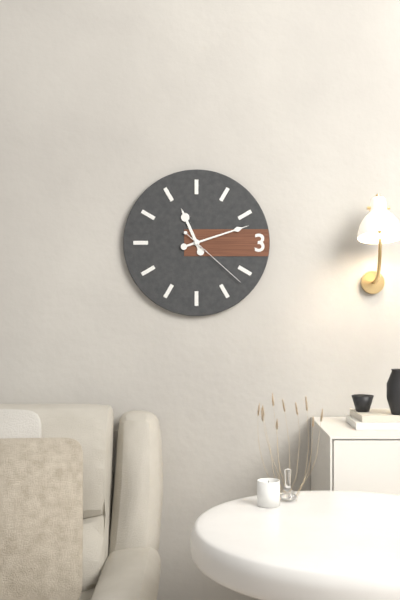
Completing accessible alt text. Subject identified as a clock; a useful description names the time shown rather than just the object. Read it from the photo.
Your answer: 11:12:22
